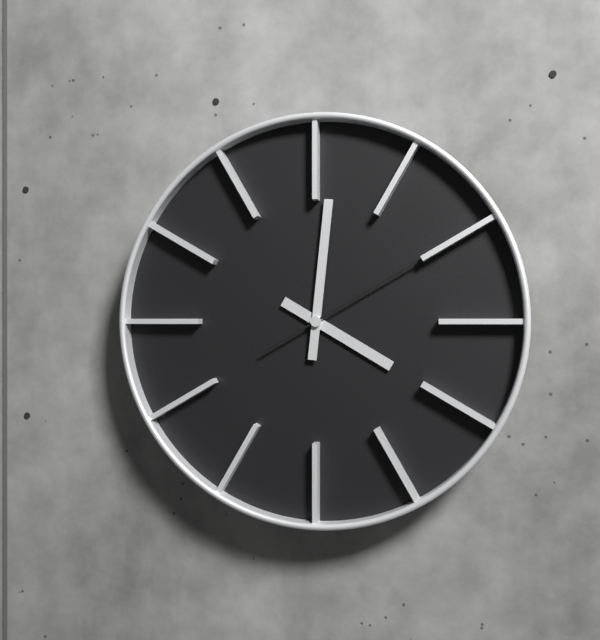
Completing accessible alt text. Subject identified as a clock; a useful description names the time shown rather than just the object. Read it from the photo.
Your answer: 4:01:10
